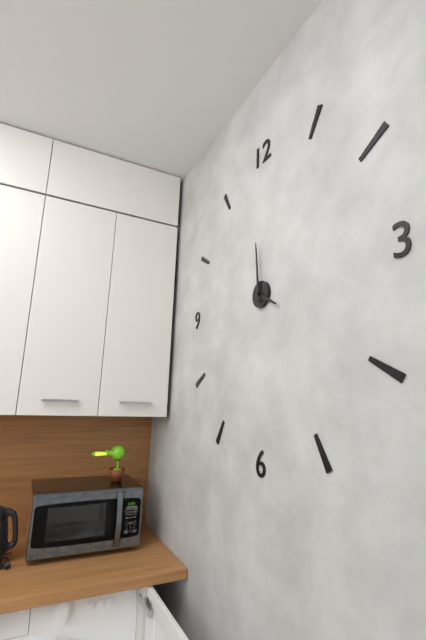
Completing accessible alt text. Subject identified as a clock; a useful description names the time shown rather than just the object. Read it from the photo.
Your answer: 3:59
